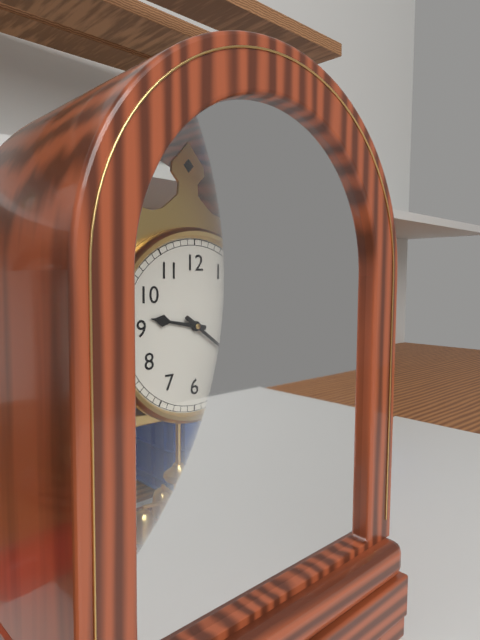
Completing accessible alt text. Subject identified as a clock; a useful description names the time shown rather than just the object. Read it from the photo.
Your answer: 9:21
